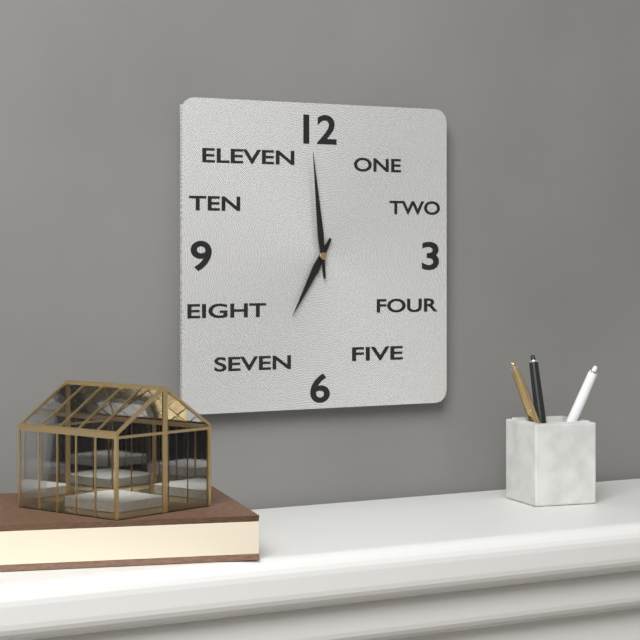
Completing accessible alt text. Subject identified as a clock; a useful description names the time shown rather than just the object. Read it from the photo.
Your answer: 6:59
